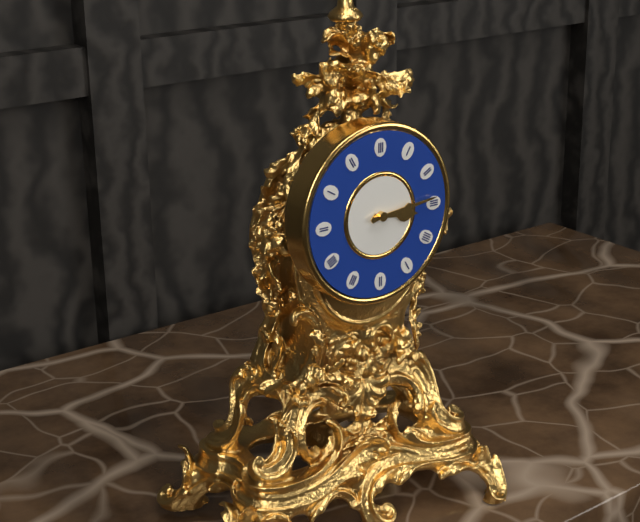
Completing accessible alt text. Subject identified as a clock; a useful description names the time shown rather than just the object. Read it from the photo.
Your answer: 3:14
